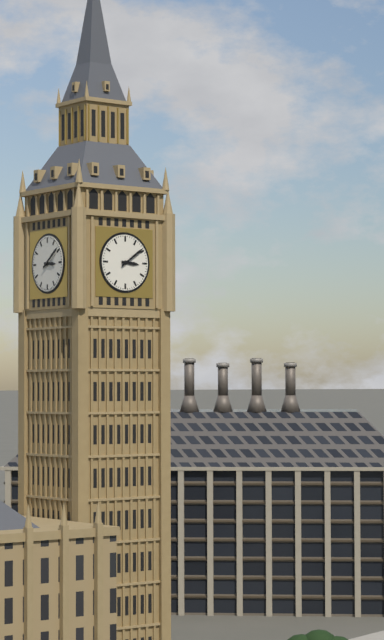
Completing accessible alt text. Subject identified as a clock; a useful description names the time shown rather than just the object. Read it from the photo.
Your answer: 3:09
